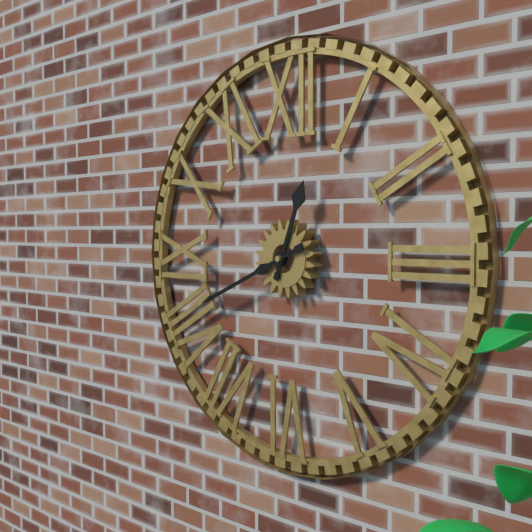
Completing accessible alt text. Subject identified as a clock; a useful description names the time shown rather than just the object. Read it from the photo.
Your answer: 12:41
